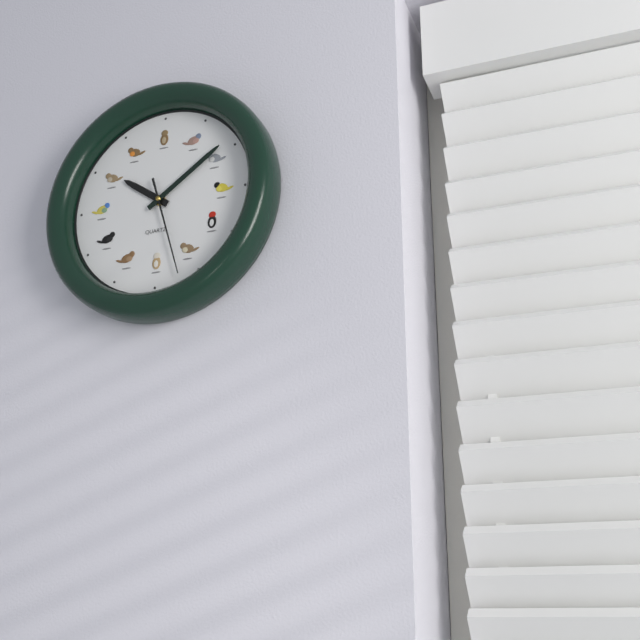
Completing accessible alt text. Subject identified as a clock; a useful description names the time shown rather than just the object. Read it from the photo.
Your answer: 10:09:27
